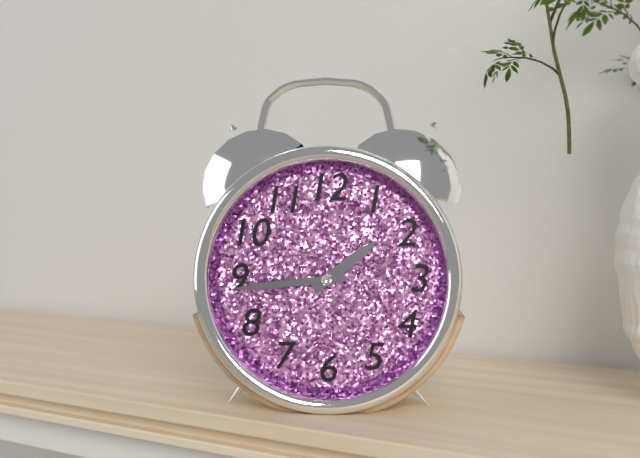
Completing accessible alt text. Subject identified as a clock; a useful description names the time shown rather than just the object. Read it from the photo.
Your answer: 1:44
